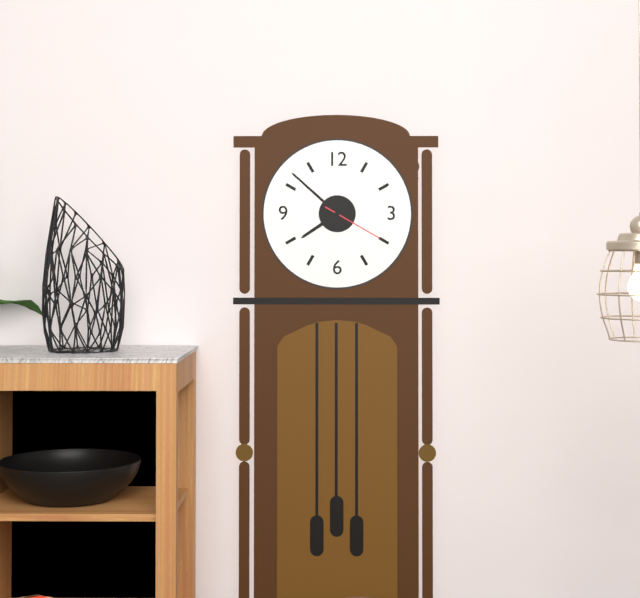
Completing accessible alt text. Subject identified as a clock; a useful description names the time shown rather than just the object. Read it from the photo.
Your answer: 7:52:20
